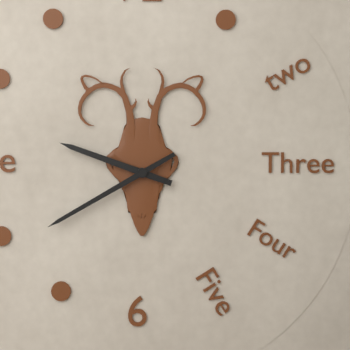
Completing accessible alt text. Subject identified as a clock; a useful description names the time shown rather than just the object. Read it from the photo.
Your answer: 9:40
